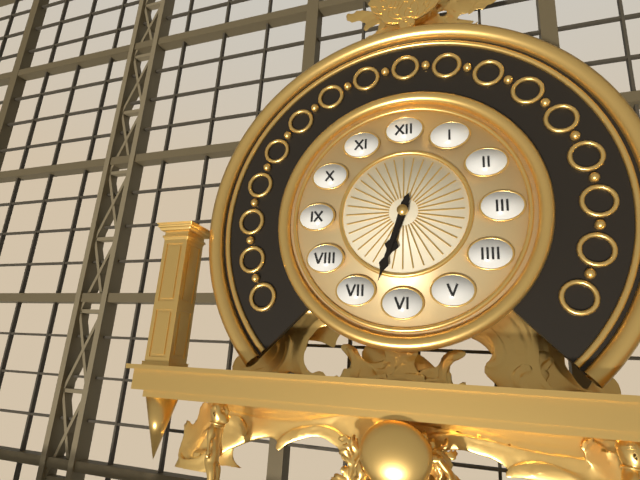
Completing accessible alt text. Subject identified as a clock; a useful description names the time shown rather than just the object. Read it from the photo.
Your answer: 6:33
